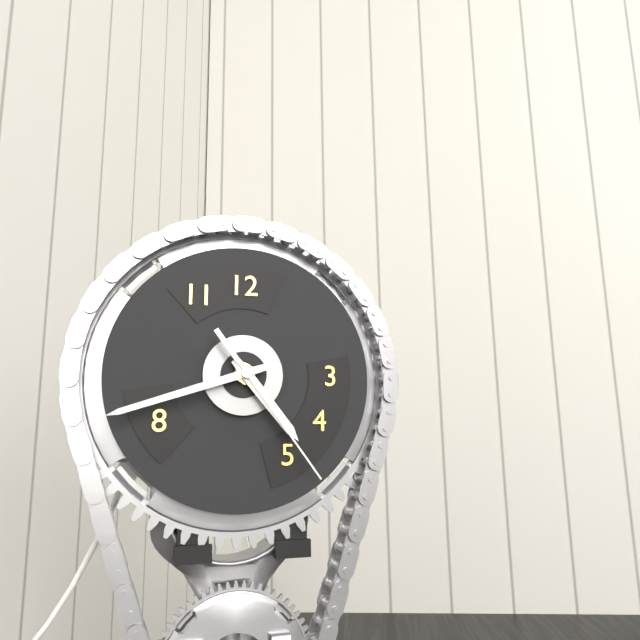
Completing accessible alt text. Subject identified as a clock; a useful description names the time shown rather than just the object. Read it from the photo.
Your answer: 4:42:24
